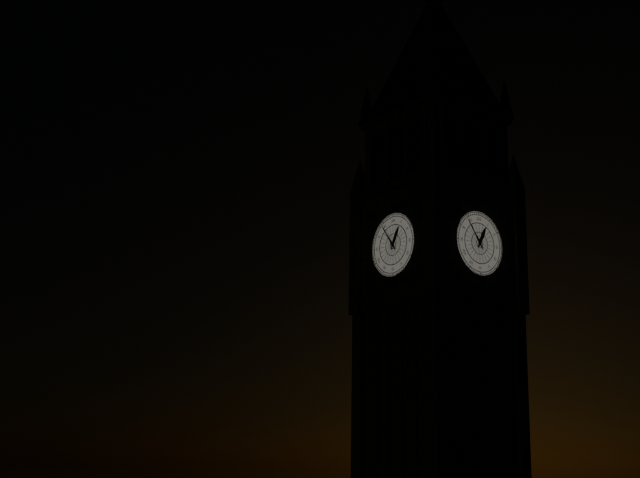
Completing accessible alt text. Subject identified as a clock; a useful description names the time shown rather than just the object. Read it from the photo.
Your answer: 12:54
